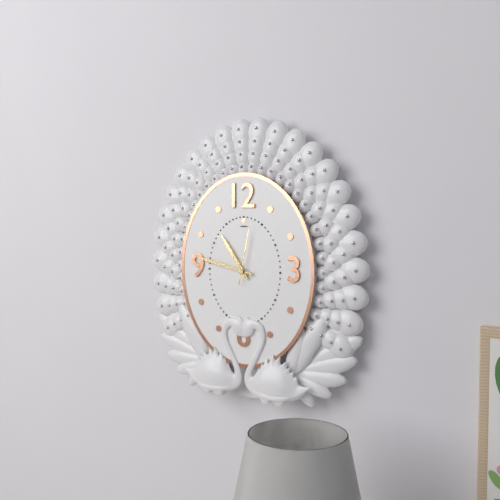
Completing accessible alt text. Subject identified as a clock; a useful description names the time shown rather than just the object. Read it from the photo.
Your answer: 10:47:02
